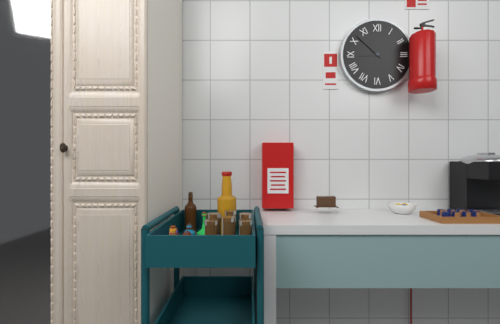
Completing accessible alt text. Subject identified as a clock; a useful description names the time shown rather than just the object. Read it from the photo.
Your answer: 8:52
